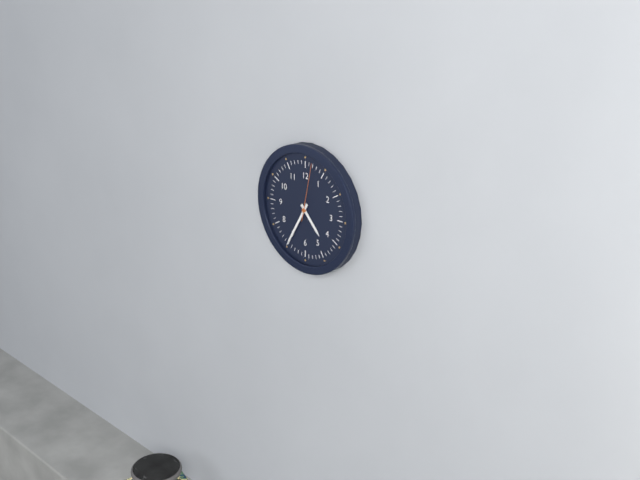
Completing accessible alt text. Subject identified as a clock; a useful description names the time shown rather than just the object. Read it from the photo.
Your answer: 4:35:02
